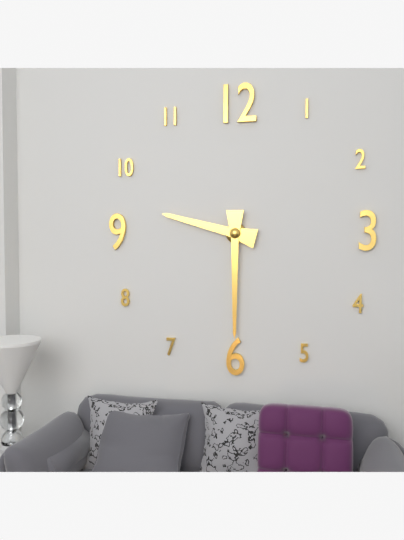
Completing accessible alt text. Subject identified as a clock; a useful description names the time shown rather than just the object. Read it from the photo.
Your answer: 9:30
